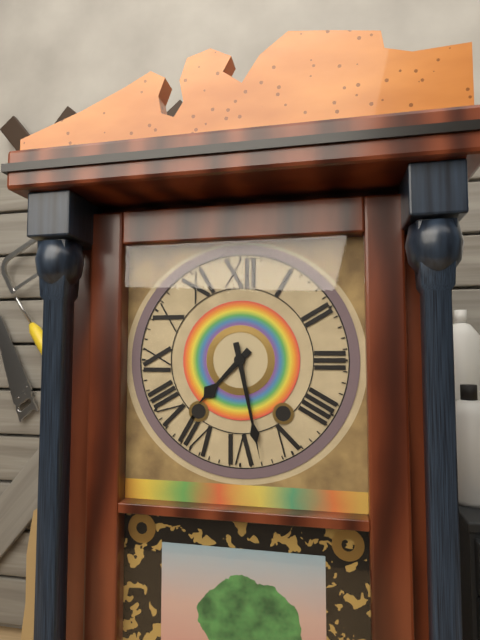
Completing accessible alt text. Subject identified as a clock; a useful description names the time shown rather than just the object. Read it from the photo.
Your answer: 7:28
